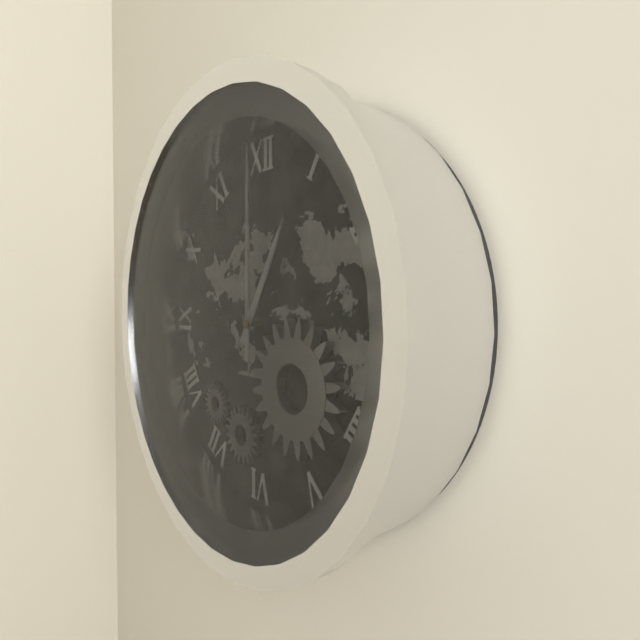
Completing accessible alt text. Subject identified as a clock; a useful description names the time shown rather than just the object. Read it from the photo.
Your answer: 1:00
